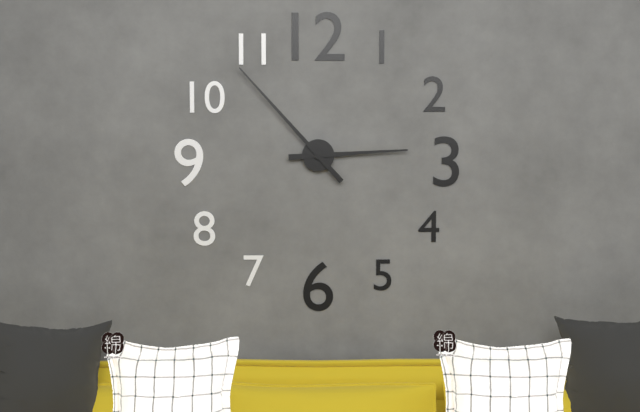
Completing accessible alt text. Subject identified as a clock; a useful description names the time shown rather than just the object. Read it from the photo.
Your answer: 2:53
